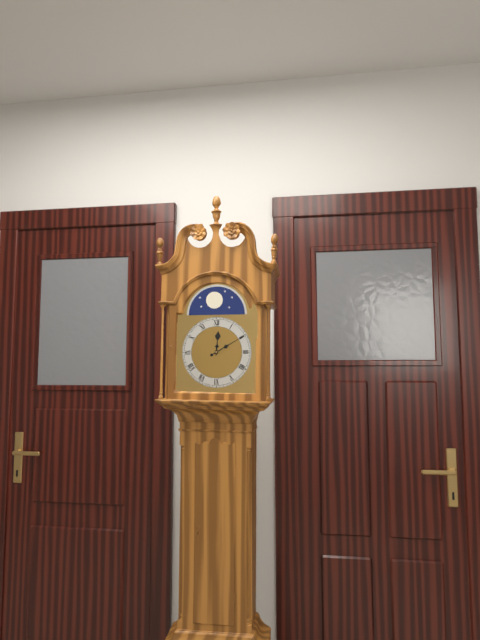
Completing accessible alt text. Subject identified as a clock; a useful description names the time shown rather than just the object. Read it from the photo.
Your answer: 12:10
